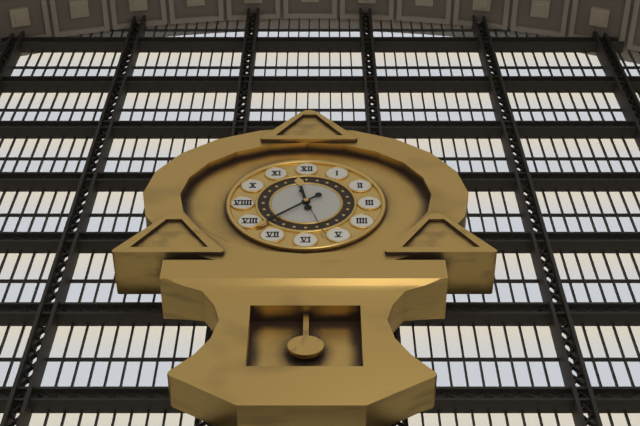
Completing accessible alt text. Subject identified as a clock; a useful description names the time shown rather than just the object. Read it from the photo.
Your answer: 11:38
